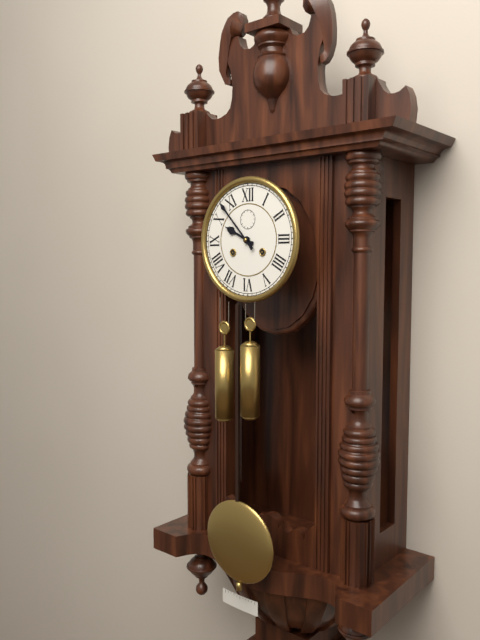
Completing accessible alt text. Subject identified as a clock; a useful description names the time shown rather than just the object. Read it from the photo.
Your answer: 9:53
